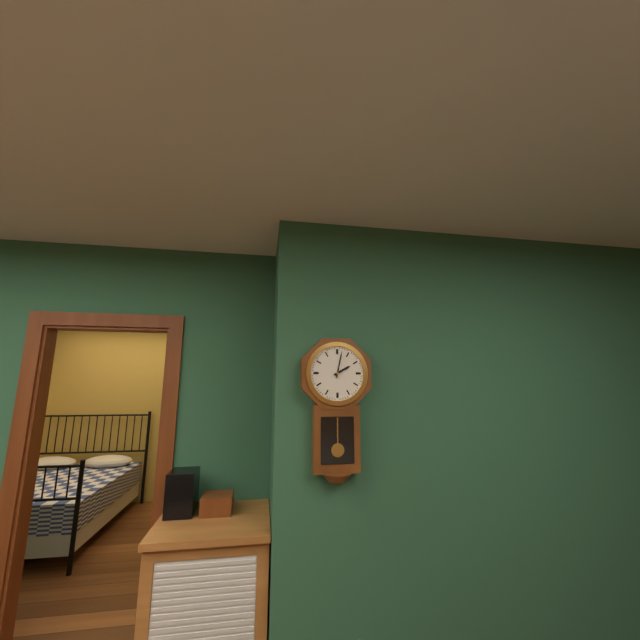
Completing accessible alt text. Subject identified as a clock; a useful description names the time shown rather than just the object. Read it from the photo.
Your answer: 2:02
